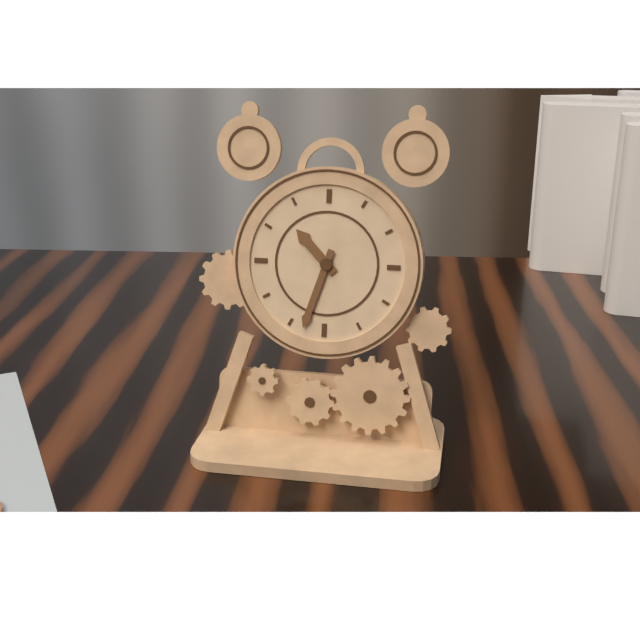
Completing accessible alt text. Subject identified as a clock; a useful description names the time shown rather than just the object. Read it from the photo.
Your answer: 10:33
